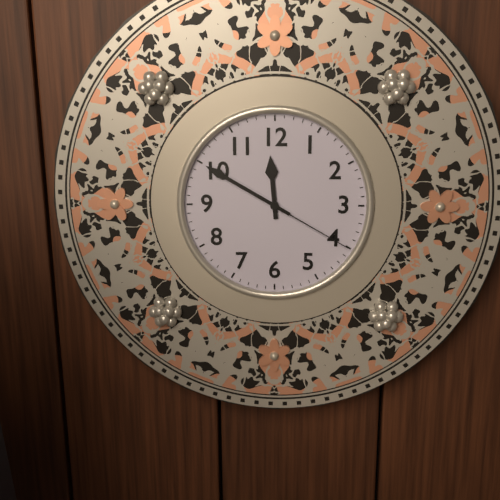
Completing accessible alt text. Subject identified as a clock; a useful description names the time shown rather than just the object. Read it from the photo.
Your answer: 11:50:20
